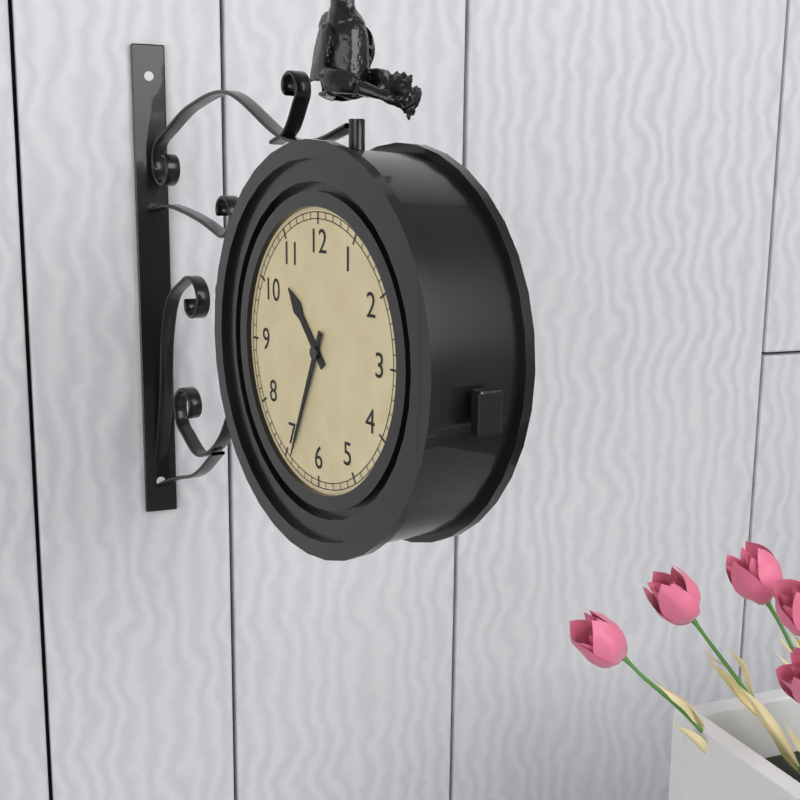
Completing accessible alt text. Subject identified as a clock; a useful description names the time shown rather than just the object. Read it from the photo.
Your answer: 10:34
